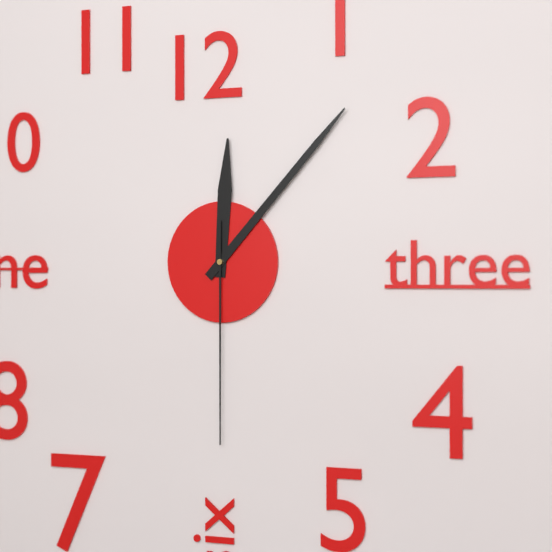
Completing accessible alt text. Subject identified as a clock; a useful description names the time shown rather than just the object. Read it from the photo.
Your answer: 12:07:30
